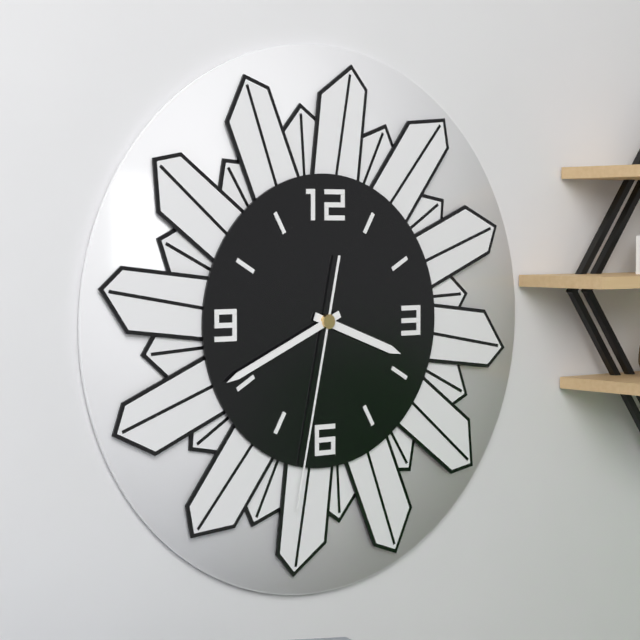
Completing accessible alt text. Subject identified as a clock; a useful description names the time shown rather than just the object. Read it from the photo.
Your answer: 3:41:32
